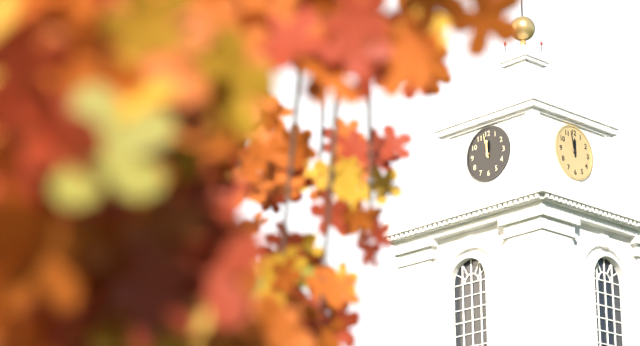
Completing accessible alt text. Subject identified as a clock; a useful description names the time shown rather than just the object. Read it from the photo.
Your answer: 11:58
